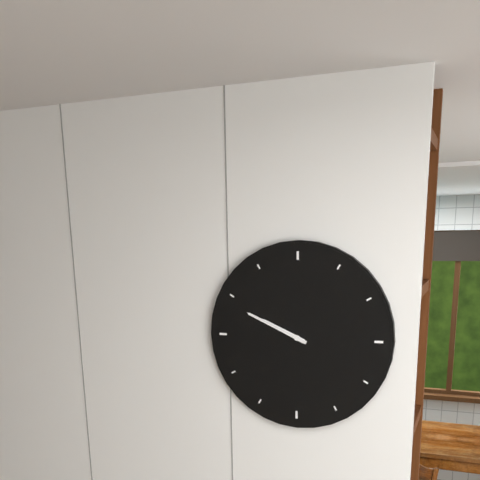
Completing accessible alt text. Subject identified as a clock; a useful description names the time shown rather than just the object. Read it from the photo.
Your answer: 9:49
